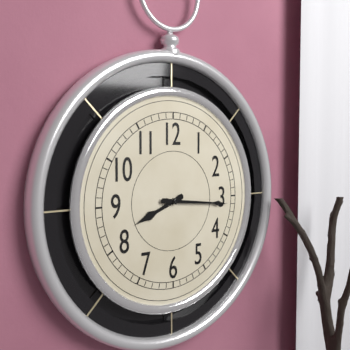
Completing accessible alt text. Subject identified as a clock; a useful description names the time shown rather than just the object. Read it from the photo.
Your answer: 8:16
